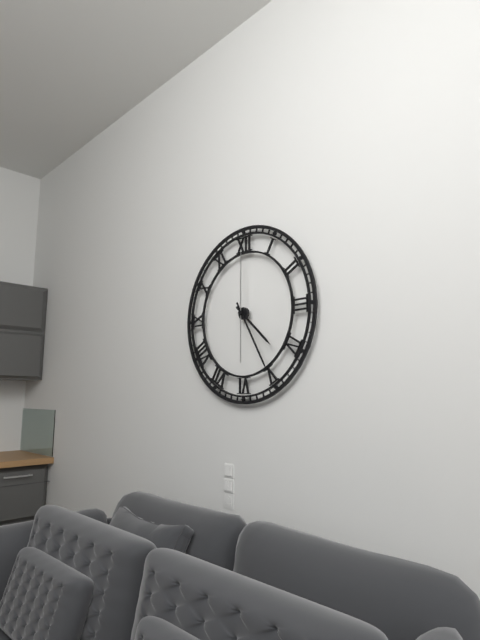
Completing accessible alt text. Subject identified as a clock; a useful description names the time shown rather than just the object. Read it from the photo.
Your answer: 4:25:00
